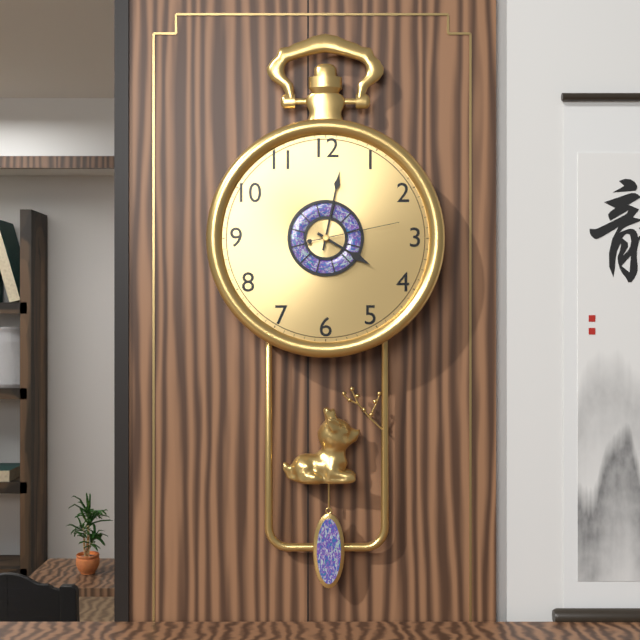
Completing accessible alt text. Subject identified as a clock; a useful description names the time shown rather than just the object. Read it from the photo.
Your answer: 4:02:13
